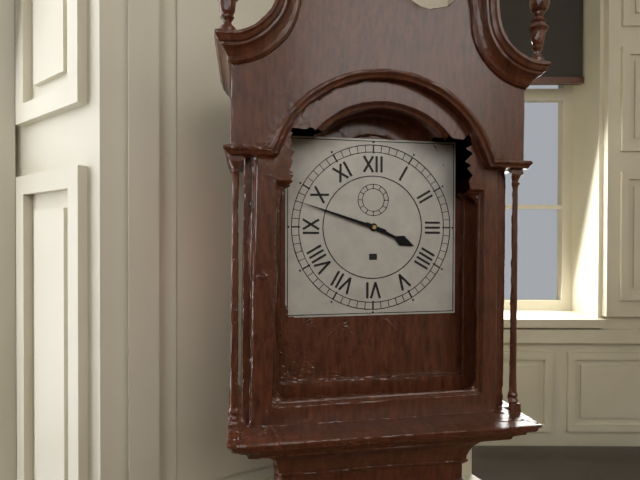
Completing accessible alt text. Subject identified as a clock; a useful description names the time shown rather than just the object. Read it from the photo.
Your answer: 3:48
